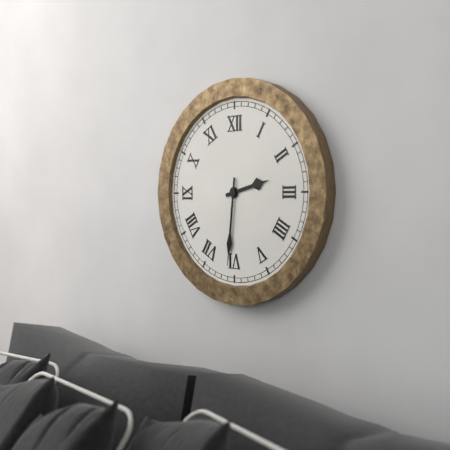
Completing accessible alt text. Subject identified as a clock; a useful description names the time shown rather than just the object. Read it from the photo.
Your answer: 2:31
